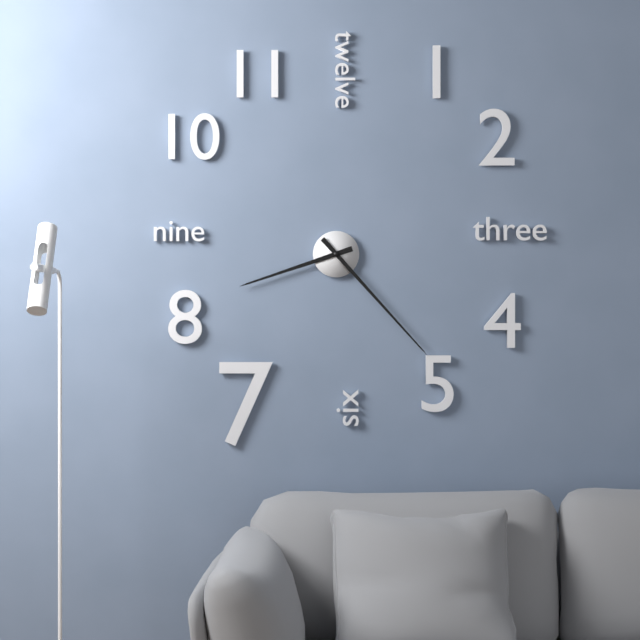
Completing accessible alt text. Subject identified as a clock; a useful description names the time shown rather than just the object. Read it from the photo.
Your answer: 8:23
